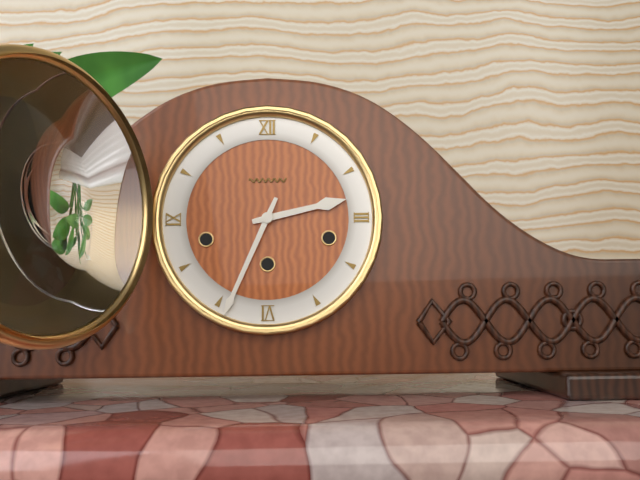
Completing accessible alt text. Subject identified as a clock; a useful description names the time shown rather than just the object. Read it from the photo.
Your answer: 2:34
